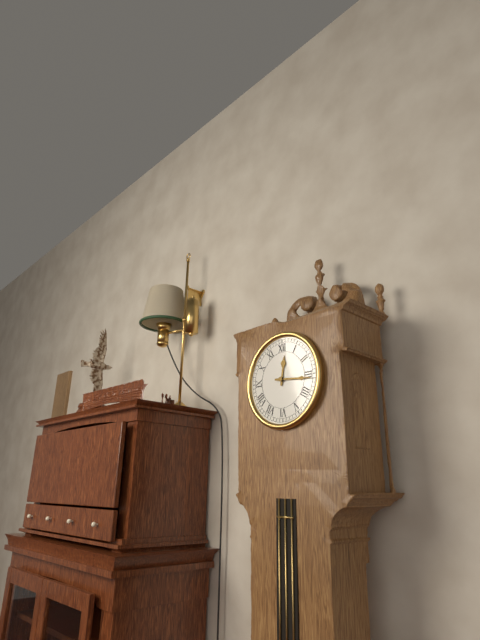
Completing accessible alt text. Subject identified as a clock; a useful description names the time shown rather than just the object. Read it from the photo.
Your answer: 12:16
